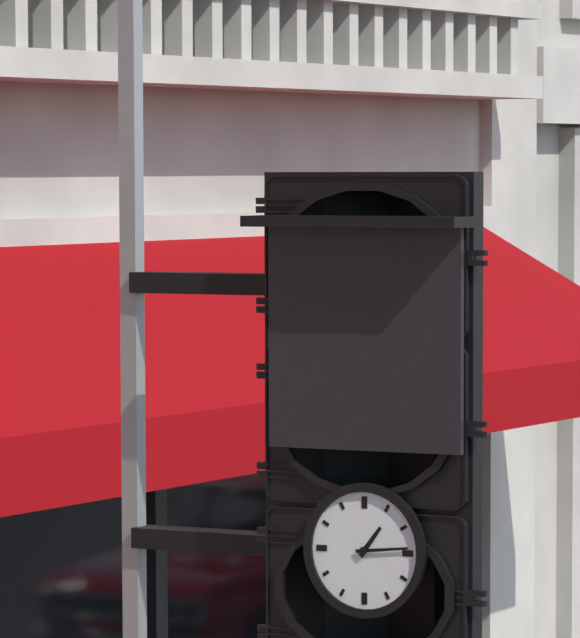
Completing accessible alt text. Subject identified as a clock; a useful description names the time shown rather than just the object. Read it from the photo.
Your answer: 1:14
